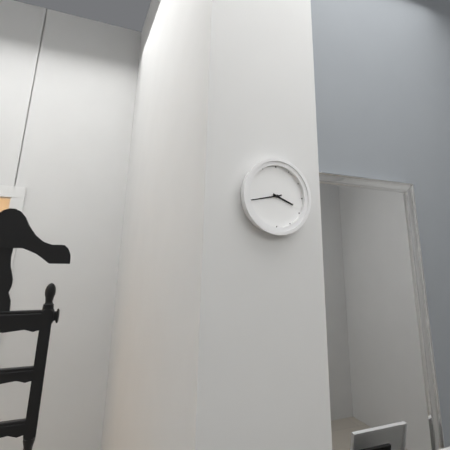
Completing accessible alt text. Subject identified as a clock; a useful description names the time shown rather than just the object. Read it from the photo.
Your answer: 3:43
